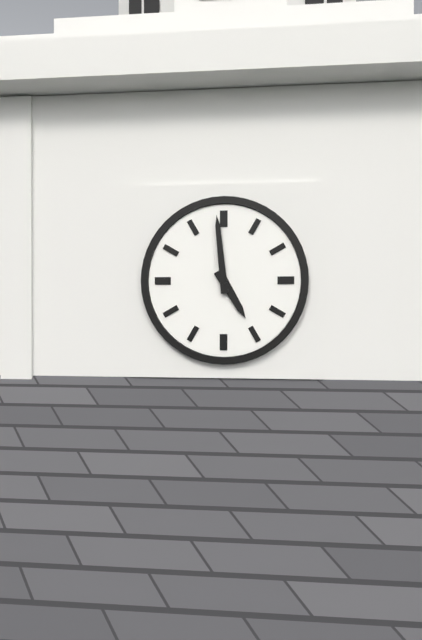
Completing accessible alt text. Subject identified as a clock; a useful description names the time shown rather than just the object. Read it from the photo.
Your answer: 4:59
